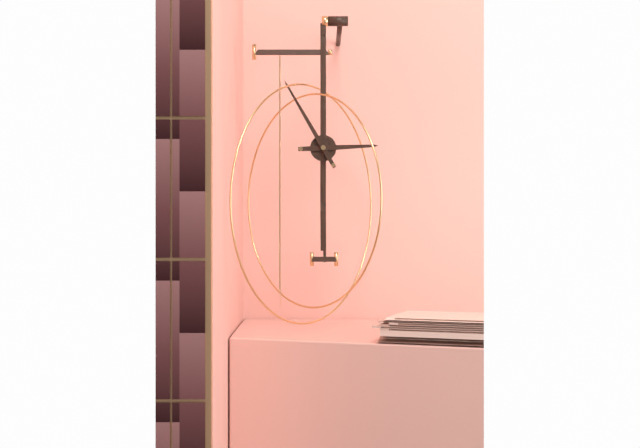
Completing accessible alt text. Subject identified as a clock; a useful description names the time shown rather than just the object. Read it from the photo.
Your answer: 2:55
